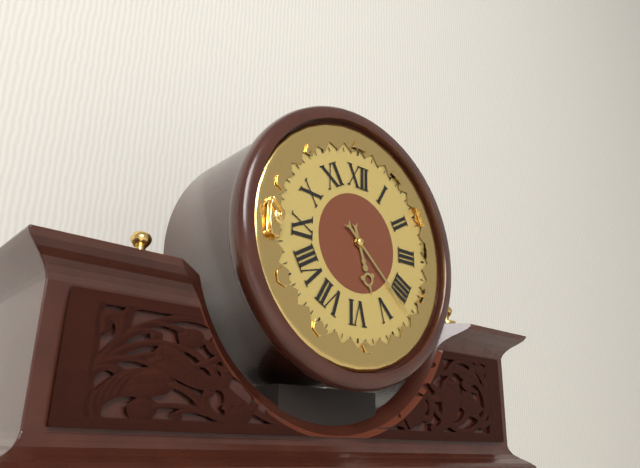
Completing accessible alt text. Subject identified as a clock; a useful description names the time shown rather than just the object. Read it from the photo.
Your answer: 5:22
